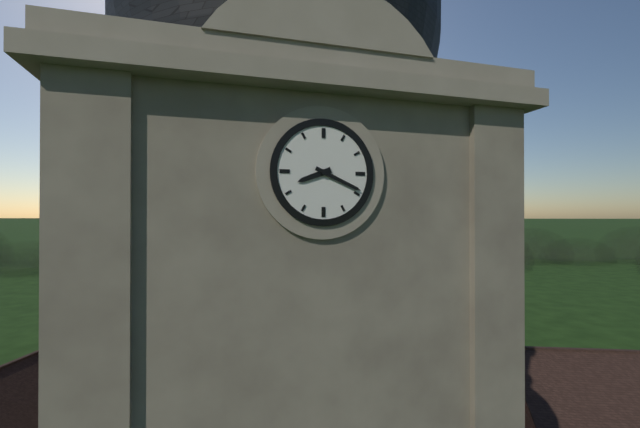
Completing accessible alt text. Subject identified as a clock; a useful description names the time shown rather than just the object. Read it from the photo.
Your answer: 8:19
